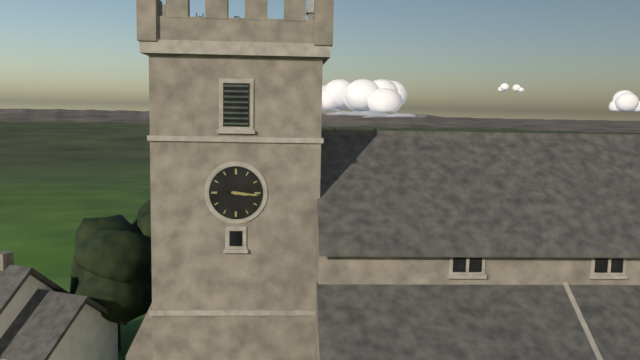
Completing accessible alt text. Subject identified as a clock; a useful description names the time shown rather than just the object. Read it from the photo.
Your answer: 3:16
